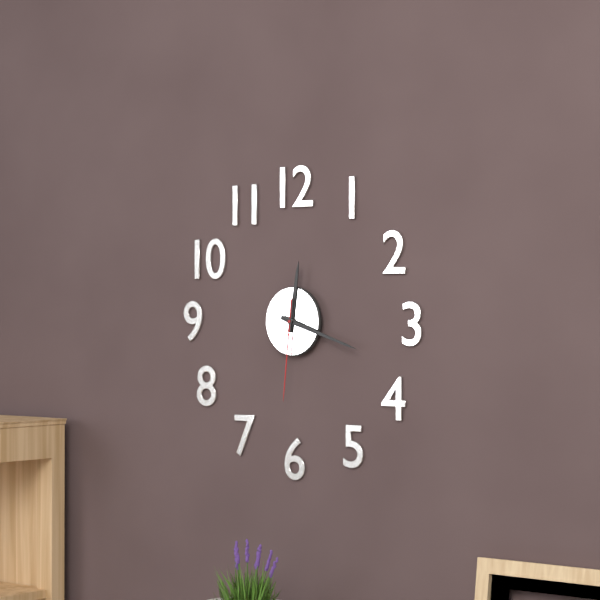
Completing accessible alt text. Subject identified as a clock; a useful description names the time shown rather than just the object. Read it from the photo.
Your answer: 12:18:31
